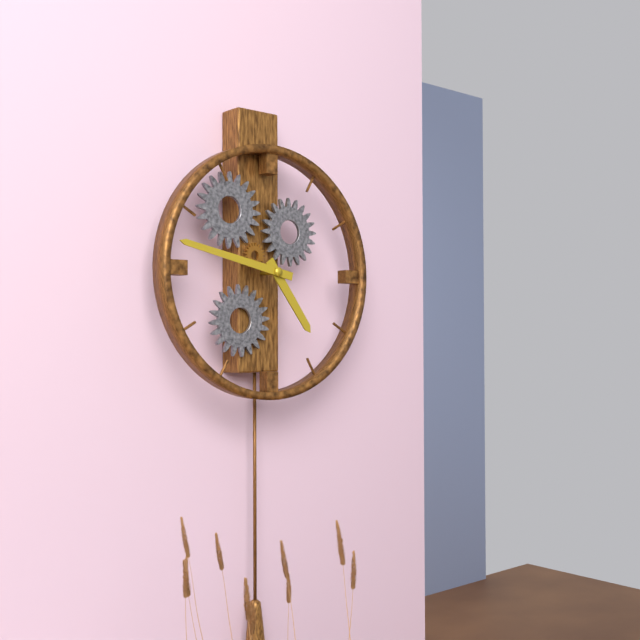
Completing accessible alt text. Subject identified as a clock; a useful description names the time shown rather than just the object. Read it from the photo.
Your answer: 4:47
